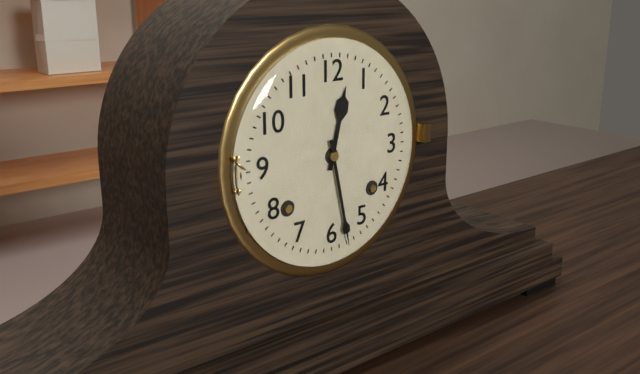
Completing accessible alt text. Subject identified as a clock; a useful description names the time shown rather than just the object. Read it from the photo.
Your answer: 12:28
